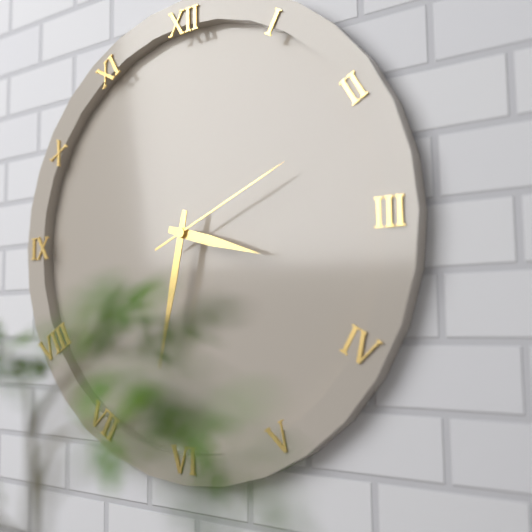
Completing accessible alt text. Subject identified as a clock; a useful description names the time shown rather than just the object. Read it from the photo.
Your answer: 3:32:11
